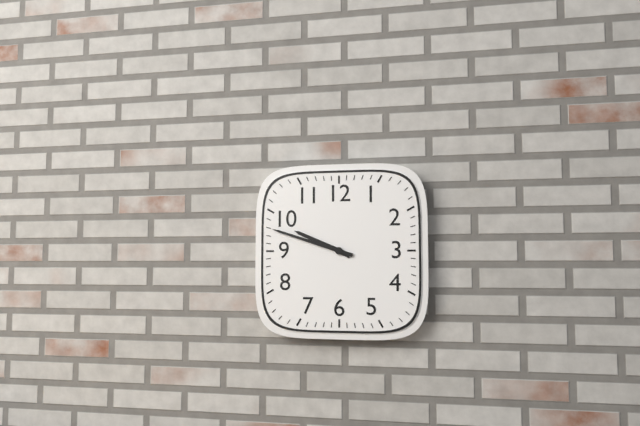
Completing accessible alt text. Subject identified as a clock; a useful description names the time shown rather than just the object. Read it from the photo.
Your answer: 9:48
